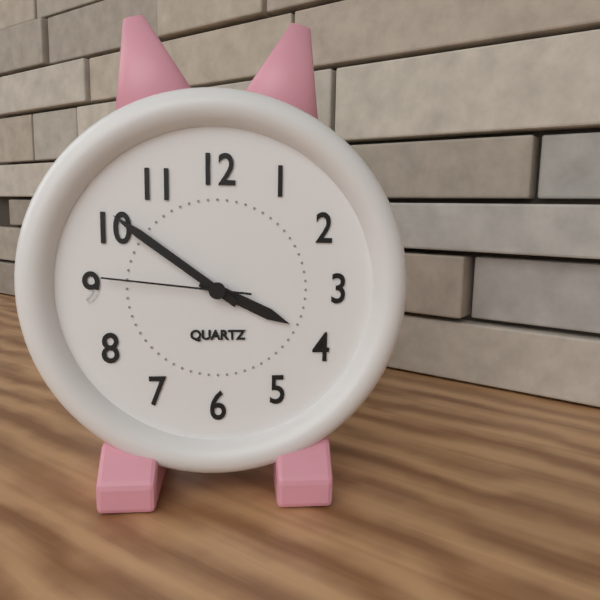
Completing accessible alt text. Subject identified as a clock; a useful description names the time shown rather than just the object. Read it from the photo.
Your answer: 3:51:46
